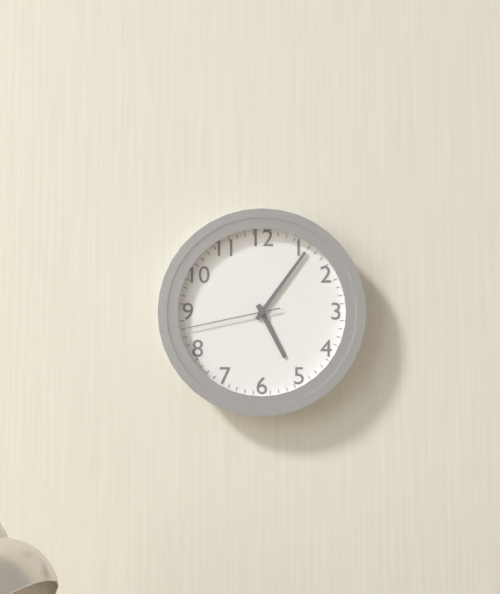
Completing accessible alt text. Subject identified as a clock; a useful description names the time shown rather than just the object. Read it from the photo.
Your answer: 5:06:43
